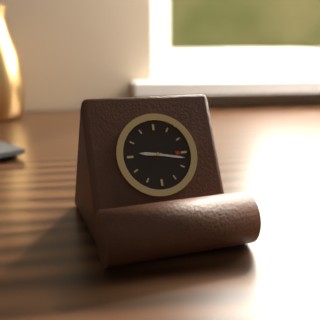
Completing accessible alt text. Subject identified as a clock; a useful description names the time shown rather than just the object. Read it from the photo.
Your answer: 9:17
